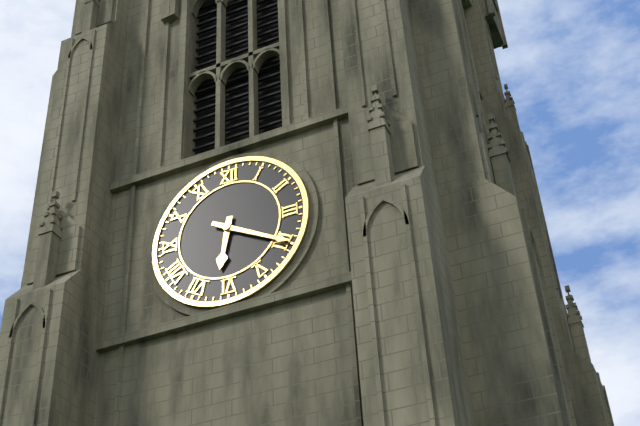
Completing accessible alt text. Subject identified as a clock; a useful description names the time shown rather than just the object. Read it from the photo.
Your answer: 6:20
